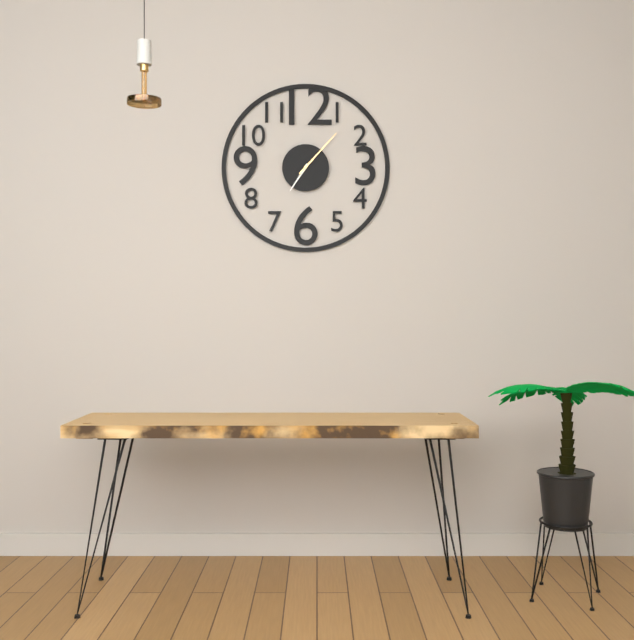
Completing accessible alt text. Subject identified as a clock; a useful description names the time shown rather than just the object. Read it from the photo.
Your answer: 7:07
